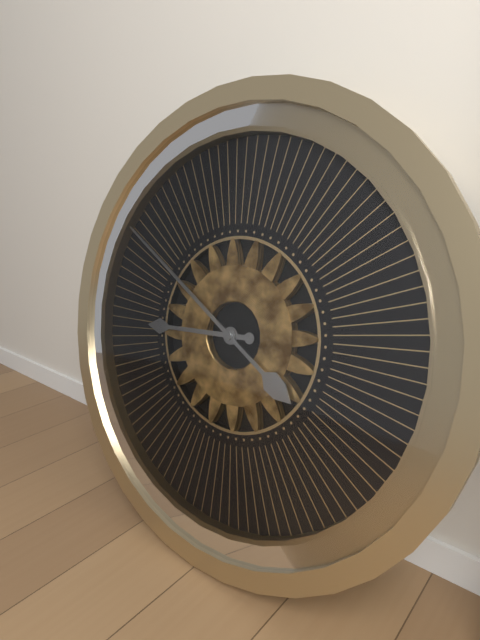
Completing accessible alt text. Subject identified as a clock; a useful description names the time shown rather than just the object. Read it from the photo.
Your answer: 8:50
